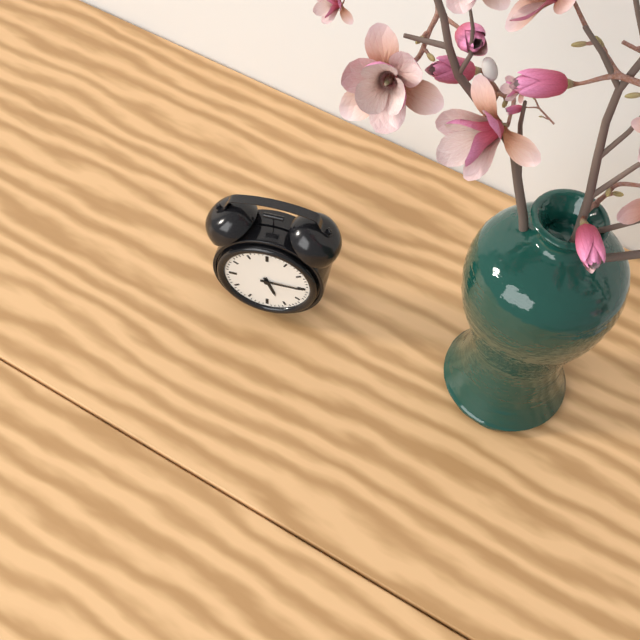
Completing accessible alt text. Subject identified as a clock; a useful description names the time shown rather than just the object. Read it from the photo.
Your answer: 5:15
